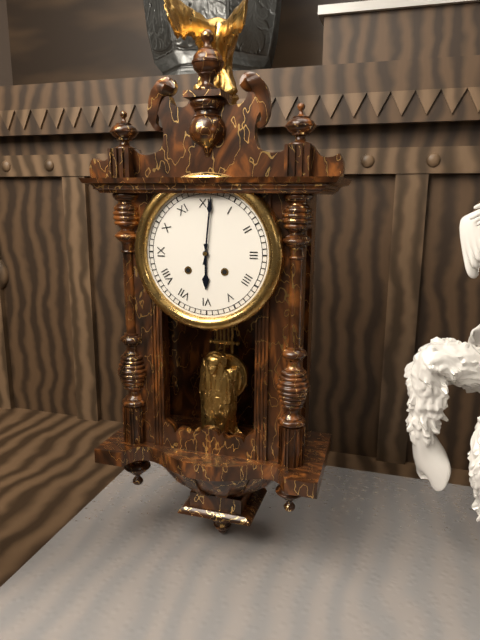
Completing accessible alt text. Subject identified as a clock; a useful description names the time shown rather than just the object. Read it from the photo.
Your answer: 6:01
